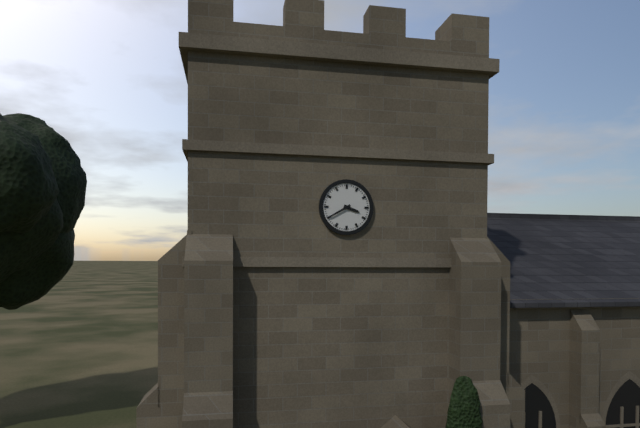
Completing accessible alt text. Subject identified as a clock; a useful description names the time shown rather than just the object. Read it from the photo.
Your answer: 3:40
